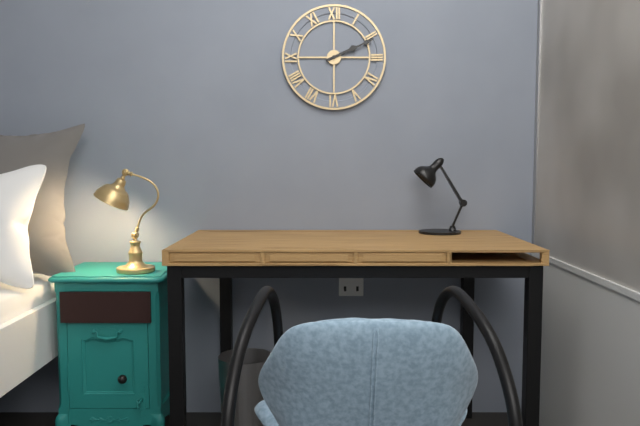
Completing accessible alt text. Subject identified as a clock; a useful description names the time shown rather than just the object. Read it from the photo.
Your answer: 2:11
